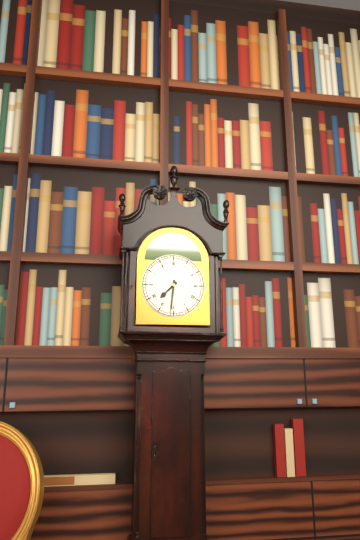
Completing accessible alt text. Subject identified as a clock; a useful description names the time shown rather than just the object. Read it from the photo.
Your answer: 7:31
